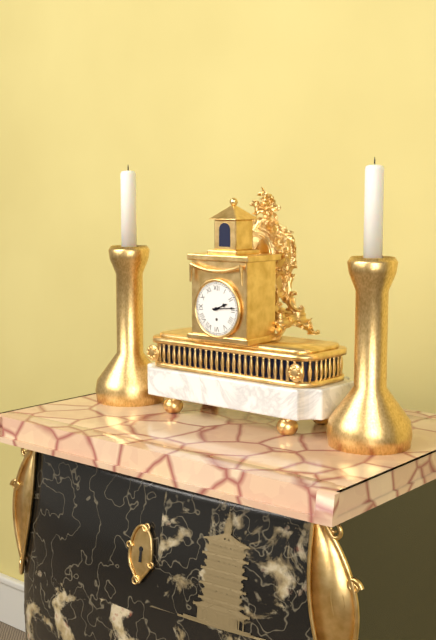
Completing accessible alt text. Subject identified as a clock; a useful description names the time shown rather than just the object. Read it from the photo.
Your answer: 2:14
